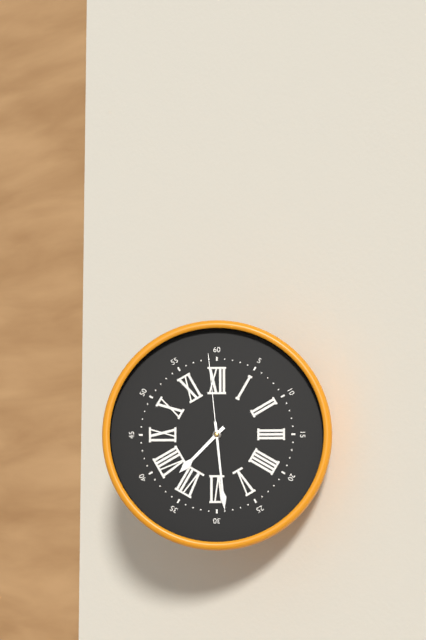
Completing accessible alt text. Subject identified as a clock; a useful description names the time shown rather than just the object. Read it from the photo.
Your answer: 7:29:59
